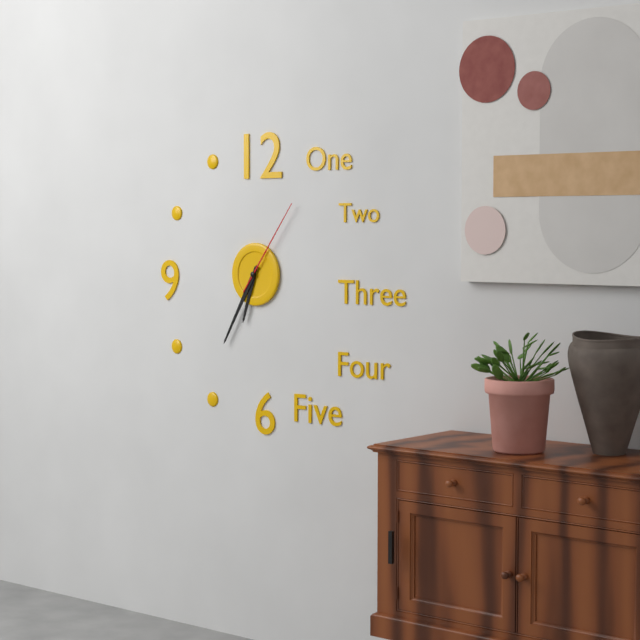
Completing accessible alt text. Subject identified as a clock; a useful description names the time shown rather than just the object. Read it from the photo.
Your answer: 6:35:06
